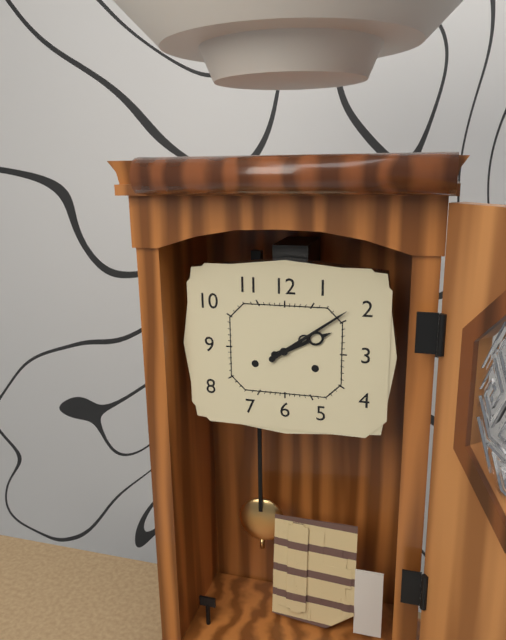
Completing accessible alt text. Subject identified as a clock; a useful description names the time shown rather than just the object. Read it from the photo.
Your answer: 2:09
